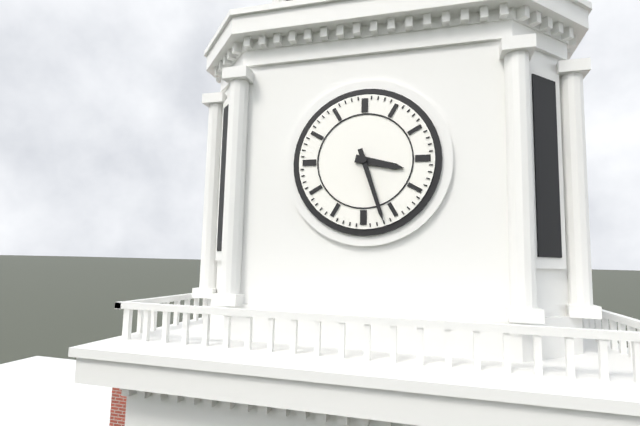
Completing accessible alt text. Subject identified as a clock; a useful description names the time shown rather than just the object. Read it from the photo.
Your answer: 3:27
